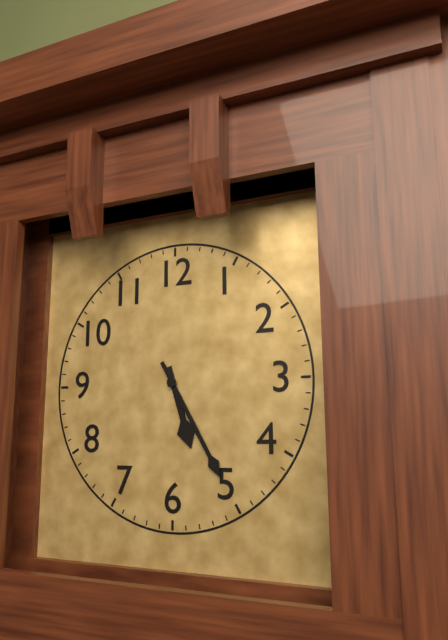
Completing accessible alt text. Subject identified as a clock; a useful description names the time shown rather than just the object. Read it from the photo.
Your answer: 5:25
